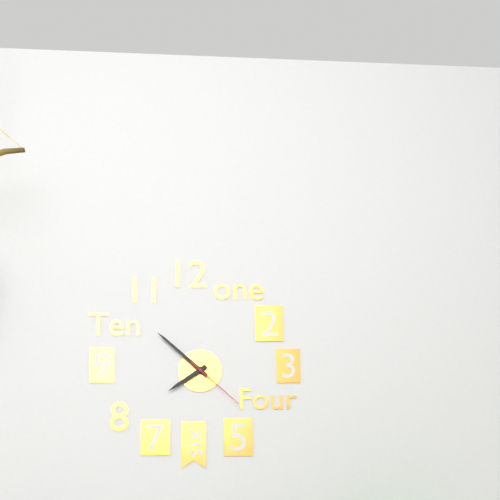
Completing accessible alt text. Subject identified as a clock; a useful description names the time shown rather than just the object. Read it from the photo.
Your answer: 7:52:22
